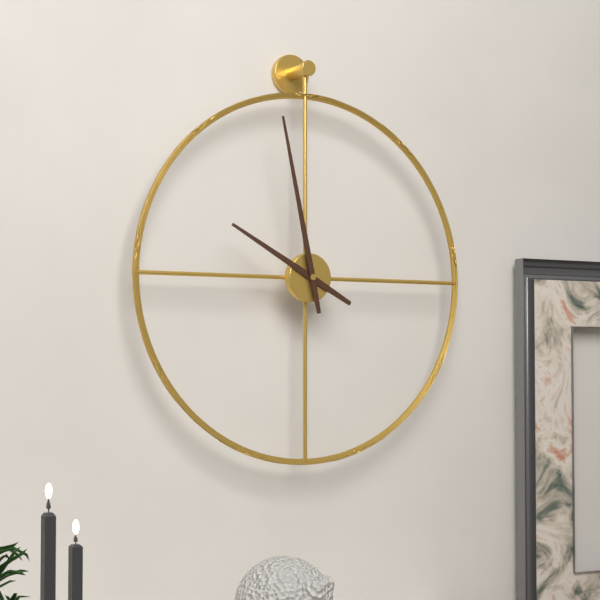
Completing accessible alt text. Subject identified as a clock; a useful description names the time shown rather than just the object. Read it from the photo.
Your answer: 9:58
